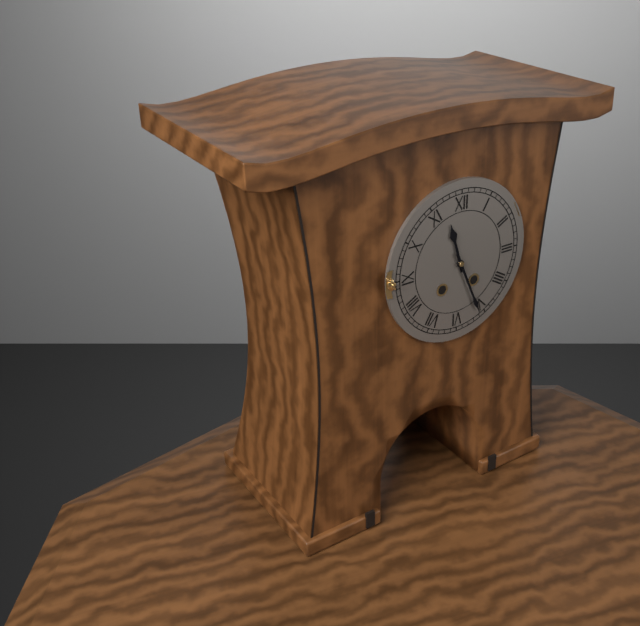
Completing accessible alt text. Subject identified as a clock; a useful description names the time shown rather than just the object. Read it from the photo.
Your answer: 11:26
